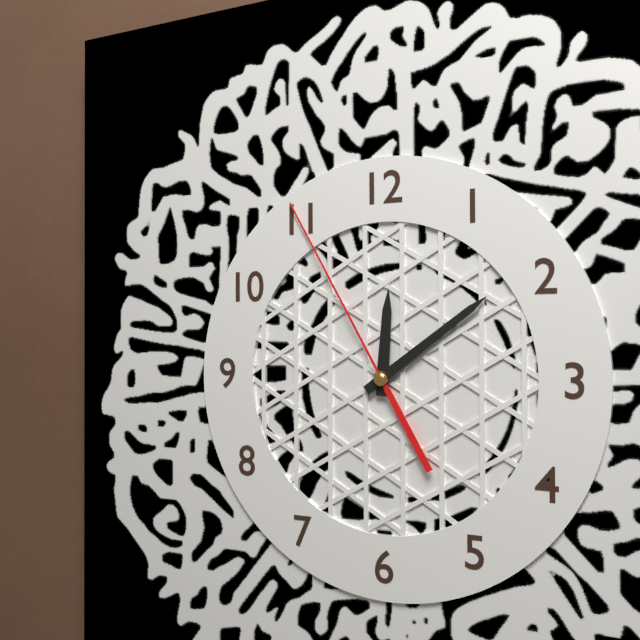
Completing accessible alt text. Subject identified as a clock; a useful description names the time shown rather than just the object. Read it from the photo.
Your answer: 12:09:55
